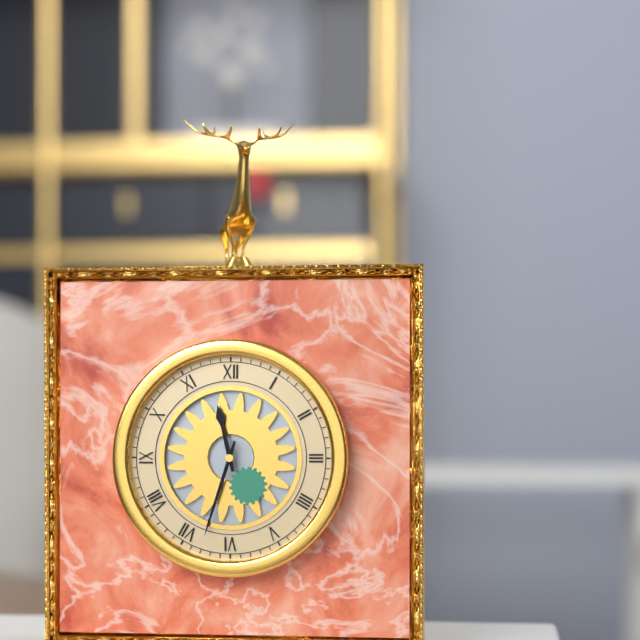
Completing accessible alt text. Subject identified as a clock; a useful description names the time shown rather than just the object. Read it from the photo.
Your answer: 11:33
